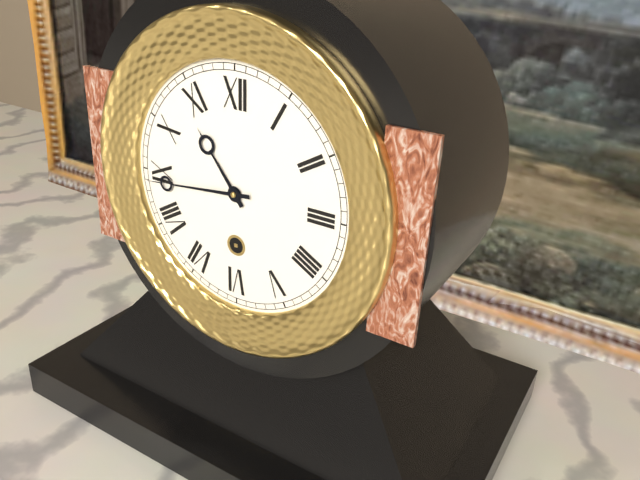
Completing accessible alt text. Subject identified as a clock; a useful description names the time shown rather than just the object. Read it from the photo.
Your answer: 10:44
